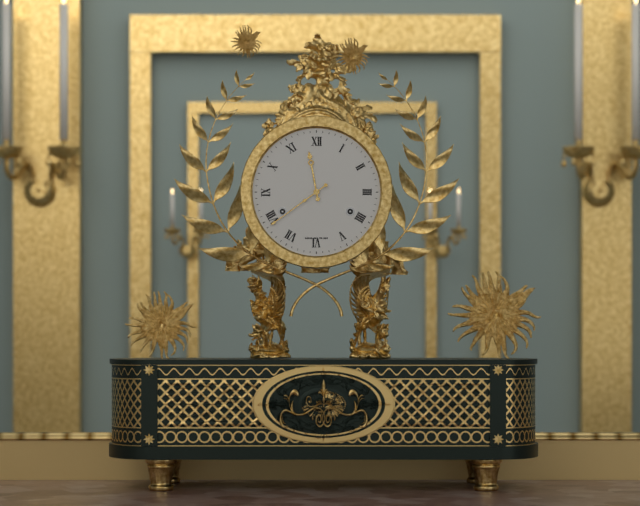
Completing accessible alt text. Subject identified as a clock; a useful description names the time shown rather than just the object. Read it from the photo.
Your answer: 11:39
